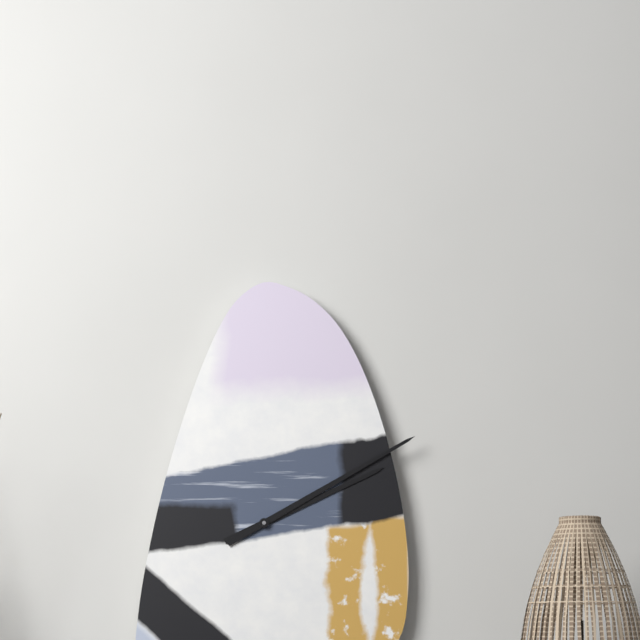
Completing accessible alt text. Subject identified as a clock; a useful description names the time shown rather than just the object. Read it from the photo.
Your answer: 2:10
